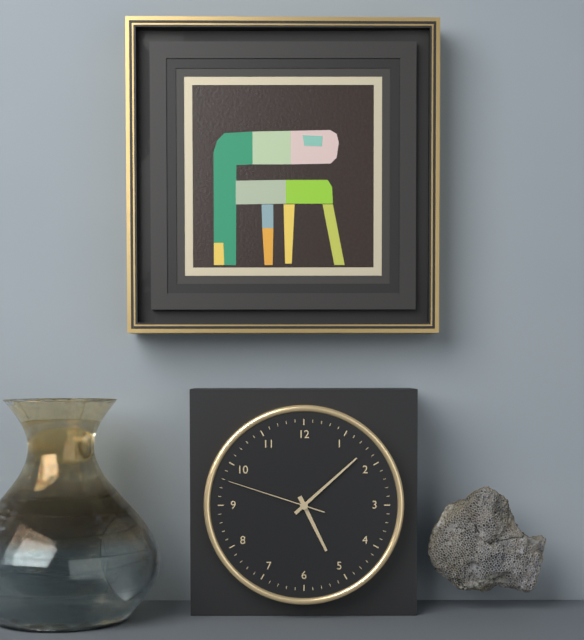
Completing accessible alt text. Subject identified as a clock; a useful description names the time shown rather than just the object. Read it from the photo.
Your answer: 5:08:48
